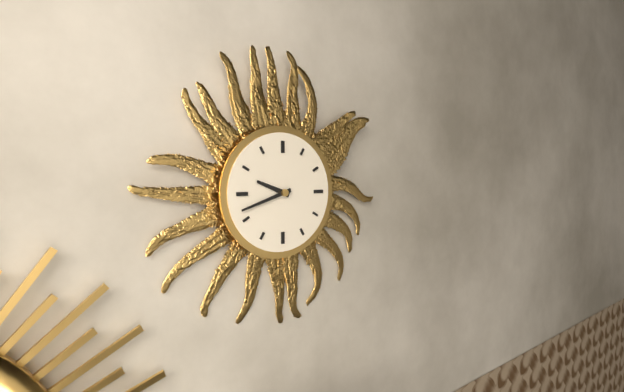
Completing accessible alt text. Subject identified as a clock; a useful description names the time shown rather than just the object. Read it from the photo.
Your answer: 9:42
